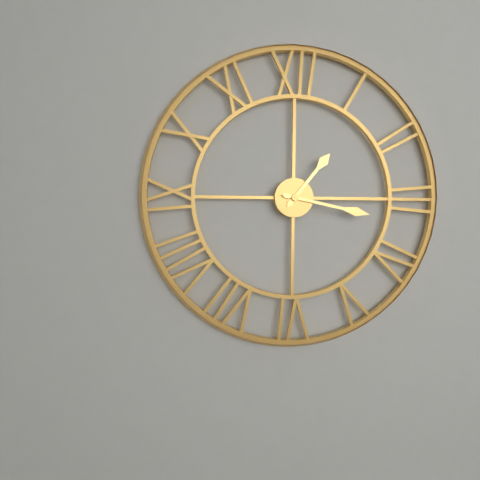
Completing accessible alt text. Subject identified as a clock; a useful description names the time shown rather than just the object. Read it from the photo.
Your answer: 1:17
